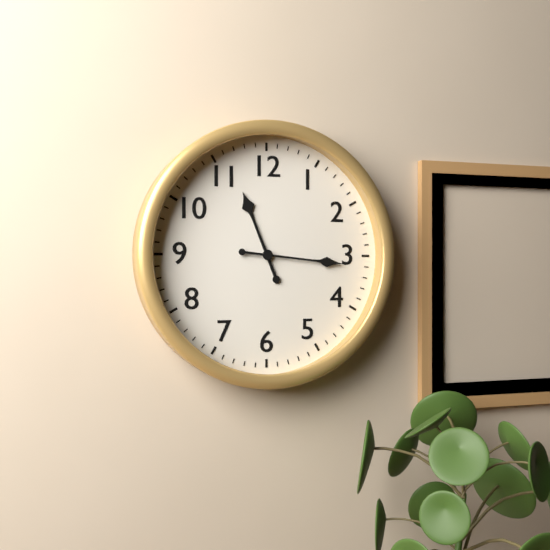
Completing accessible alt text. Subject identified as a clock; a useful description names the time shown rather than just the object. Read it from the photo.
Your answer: 11:16
